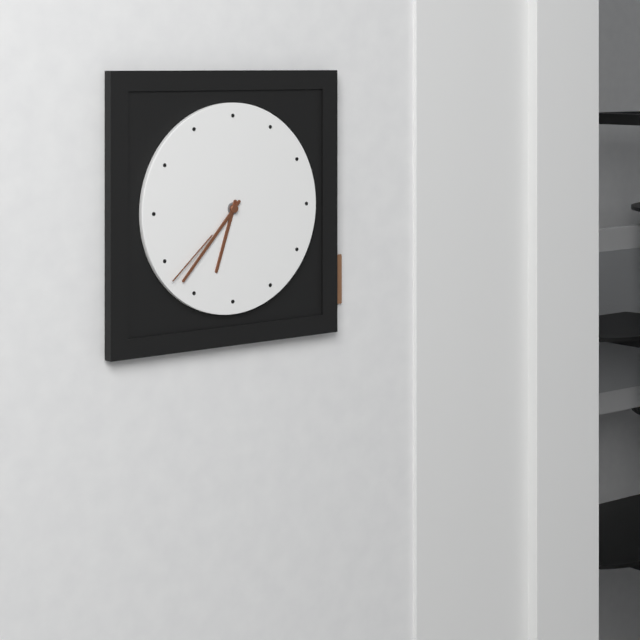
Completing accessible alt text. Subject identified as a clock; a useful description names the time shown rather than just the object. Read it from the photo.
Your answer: 6:37:38
